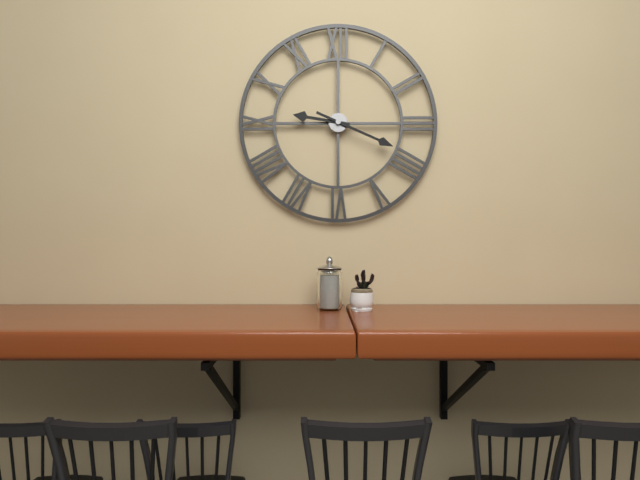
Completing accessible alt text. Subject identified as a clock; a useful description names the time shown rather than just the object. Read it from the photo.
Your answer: 9:19
